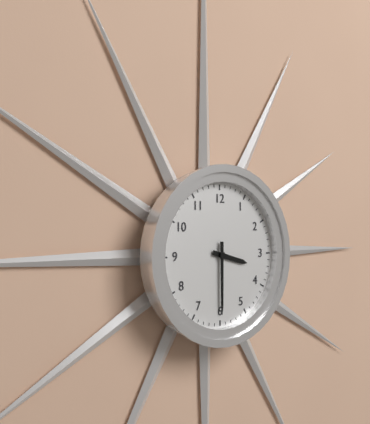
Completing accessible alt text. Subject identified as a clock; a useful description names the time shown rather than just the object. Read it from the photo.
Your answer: 3:30
